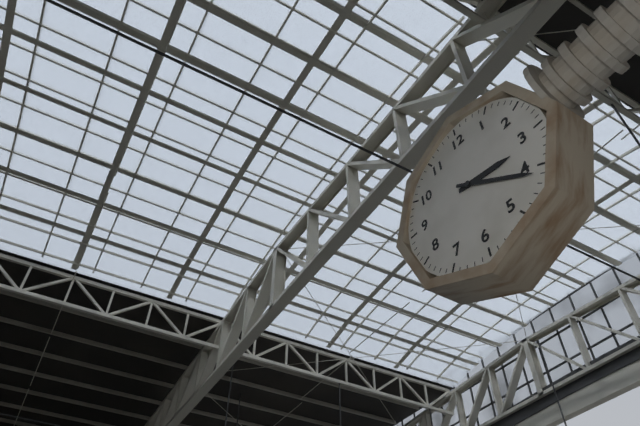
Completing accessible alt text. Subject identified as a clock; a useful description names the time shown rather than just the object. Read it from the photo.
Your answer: 3:21
